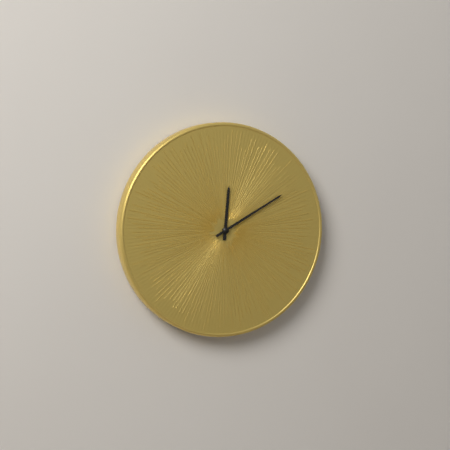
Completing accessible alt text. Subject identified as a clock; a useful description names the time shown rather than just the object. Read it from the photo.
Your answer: 12:10
